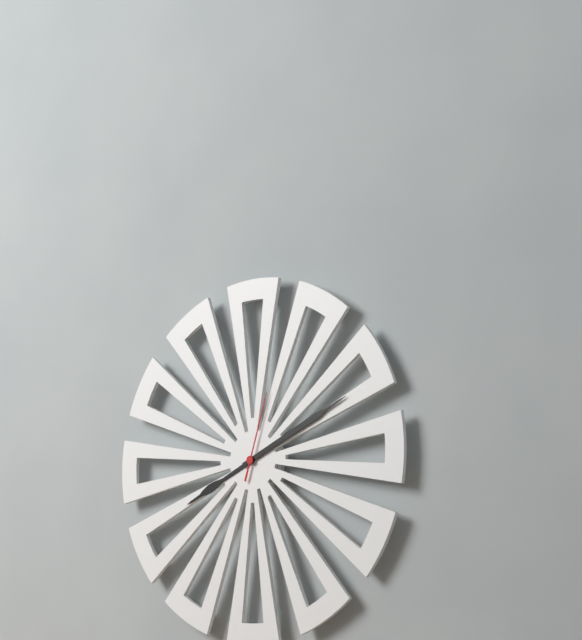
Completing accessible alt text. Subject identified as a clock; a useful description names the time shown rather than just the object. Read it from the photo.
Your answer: 8:11:03
